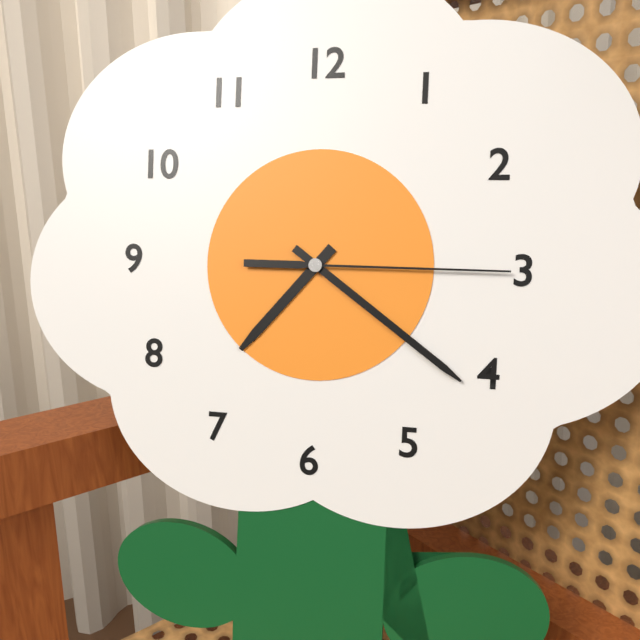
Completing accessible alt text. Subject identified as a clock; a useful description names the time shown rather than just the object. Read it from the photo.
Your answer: 7:21:15
